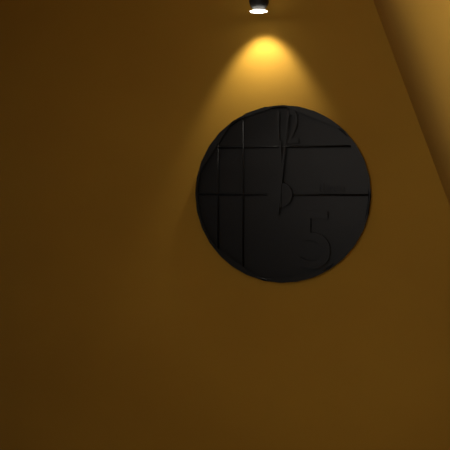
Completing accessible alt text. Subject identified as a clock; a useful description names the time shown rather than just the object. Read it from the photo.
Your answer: 12:01
